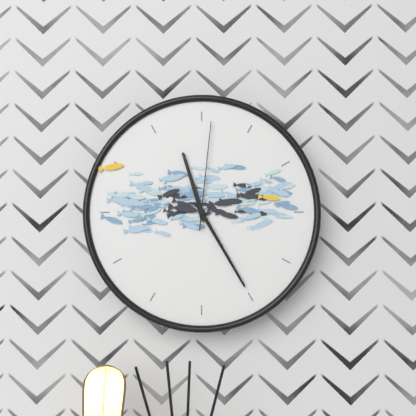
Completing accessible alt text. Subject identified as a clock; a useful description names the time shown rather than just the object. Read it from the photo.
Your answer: 11:25:01
